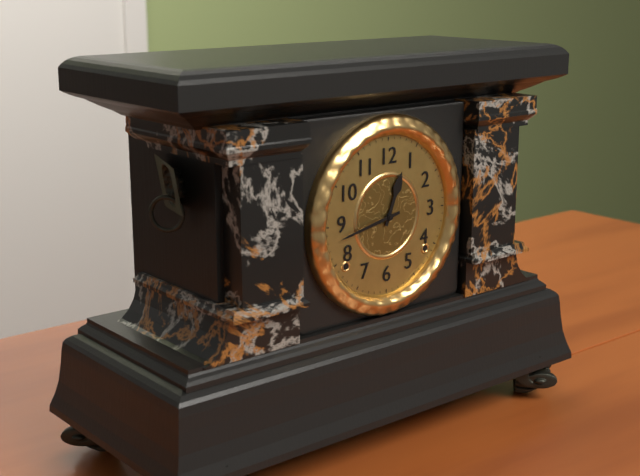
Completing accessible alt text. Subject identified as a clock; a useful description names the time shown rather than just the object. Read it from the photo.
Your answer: 12:43
